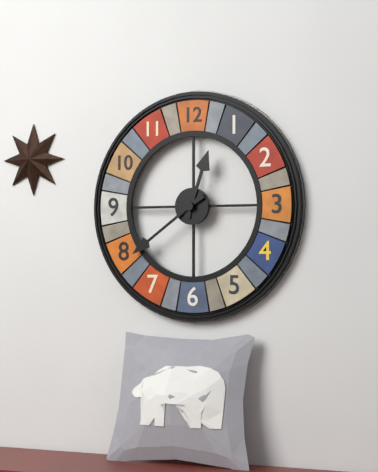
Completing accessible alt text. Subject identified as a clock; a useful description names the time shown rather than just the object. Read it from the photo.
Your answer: 12:39
